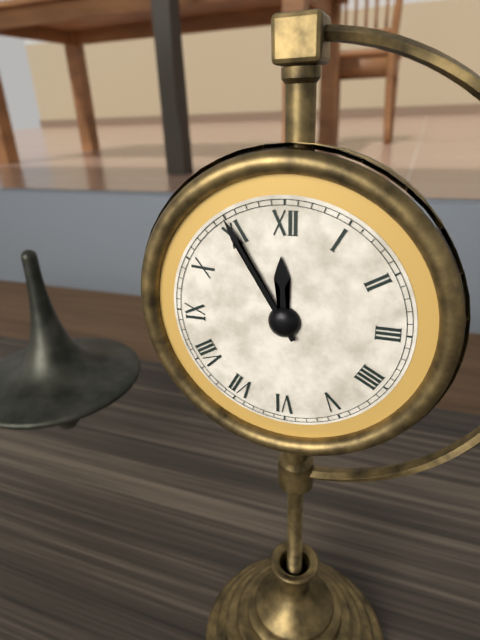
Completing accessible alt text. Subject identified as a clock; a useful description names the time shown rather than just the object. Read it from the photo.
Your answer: 11:55
